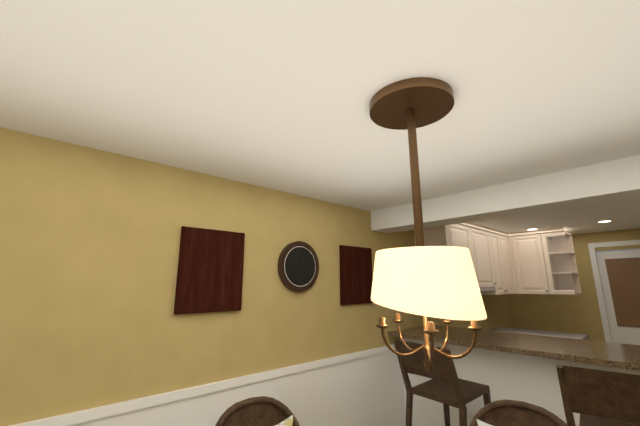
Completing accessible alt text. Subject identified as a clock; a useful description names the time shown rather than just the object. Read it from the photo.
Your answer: 2:02
